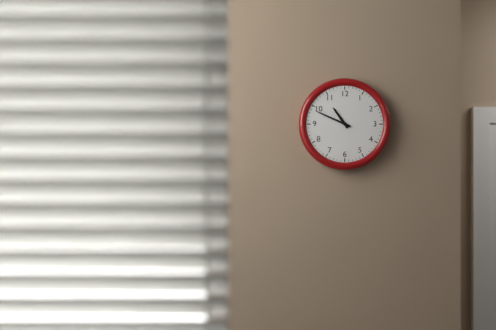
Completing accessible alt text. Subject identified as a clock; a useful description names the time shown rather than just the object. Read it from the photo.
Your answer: 10:49
